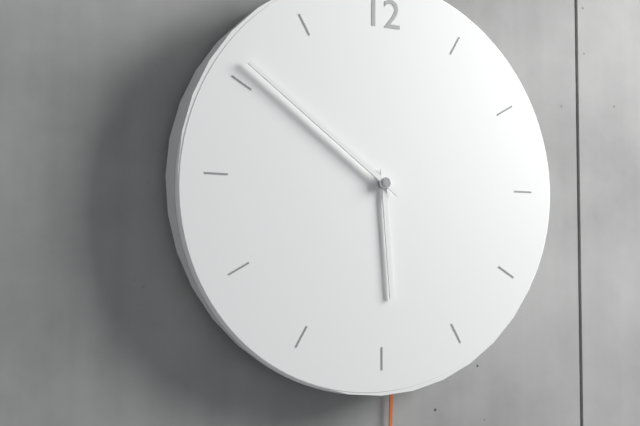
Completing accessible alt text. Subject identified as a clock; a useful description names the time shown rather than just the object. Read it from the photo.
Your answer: 5:51
